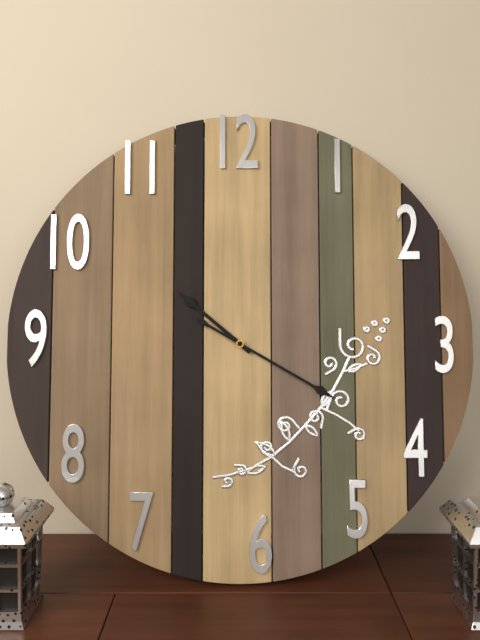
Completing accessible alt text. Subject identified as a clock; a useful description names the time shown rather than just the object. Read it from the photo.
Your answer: 10:20
